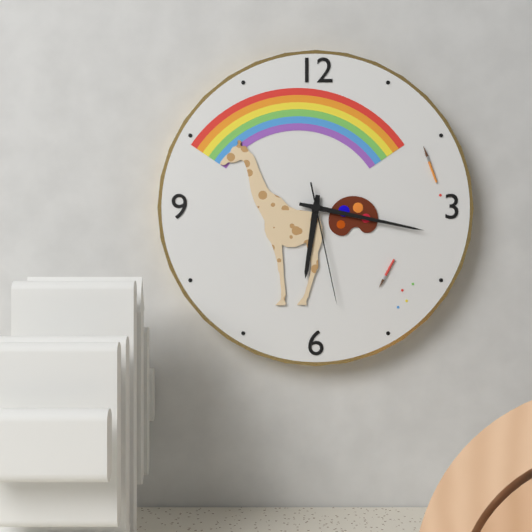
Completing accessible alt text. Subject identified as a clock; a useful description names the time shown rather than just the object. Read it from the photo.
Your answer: 6:17:28
